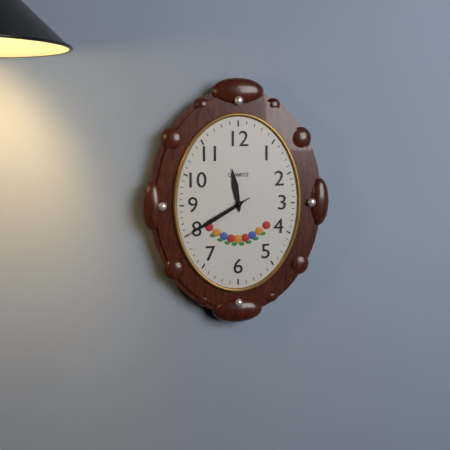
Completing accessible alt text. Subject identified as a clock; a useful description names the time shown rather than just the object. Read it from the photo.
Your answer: 11:40:40
